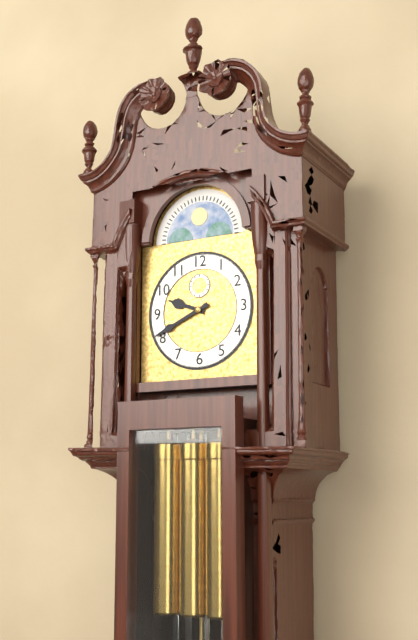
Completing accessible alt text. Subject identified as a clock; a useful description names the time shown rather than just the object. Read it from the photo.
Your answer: 9:41
